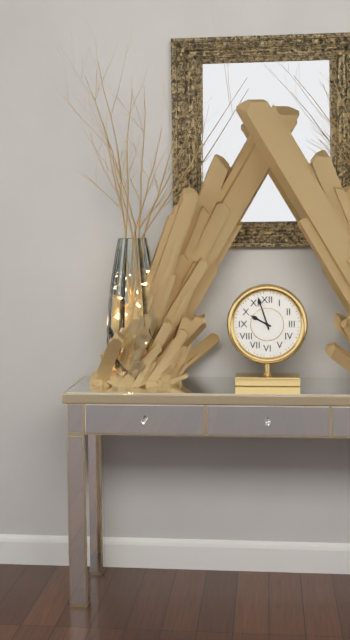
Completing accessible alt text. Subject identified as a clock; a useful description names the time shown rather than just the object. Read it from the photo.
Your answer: 9:57
